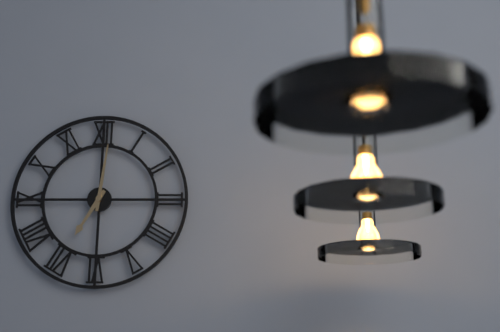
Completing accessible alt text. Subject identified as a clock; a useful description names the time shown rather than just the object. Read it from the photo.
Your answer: 7:01
